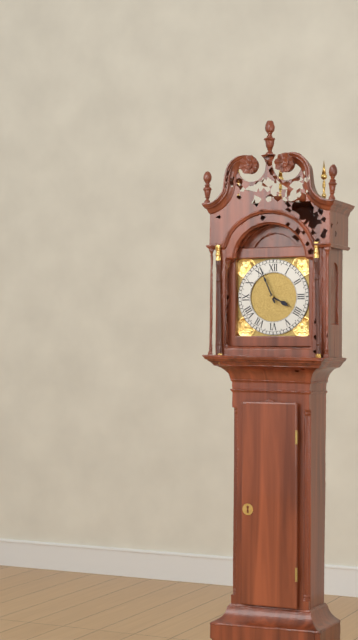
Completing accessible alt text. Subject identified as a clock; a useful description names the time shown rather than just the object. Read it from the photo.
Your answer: 3:56
